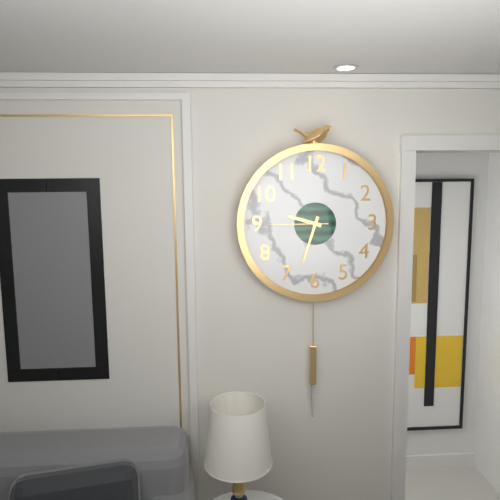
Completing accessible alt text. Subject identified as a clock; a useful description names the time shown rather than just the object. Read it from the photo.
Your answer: 9:33:45
